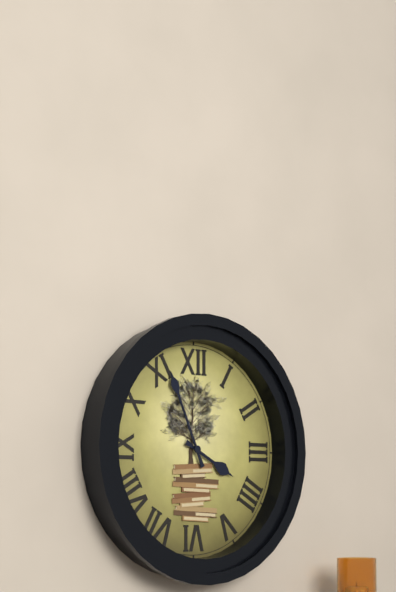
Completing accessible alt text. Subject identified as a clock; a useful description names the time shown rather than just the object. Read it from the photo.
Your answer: 3:56
